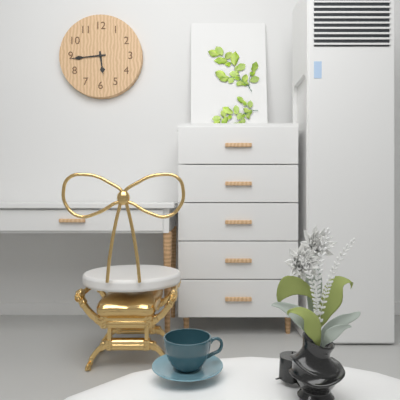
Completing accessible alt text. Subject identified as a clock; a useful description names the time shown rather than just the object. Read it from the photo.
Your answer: 5:44
